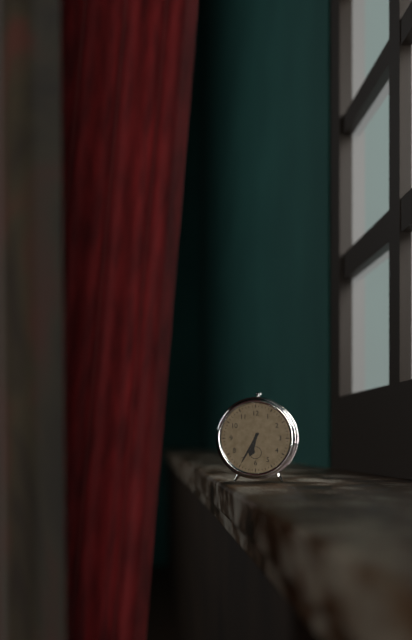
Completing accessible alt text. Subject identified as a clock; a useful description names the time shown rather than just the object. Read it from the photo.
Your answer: 6:35
